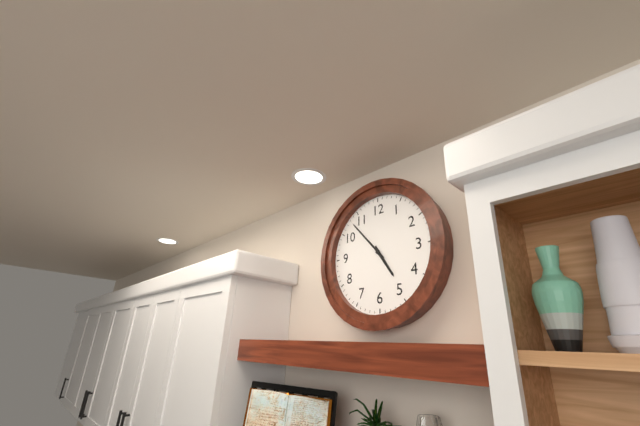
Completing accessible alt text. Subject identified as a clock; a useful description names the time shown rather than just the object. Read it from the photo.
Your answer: 4:53
